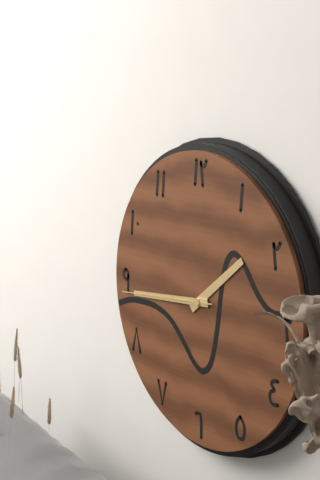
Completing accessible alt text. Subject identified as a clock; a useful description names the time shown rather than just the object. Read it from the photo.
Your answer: 1:44:44
